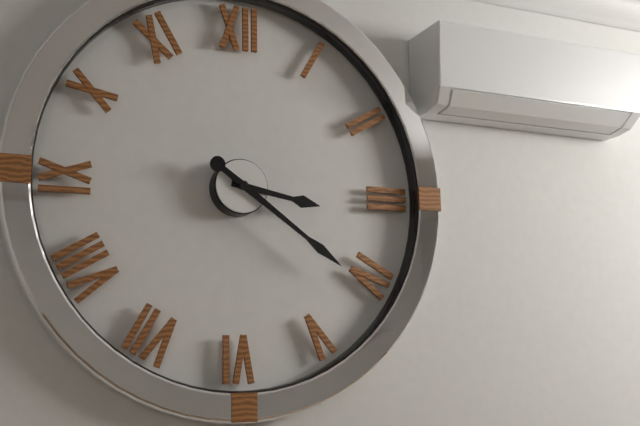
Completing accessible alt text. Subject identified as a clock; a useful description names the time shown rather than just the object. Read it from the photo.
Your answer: 3:21
